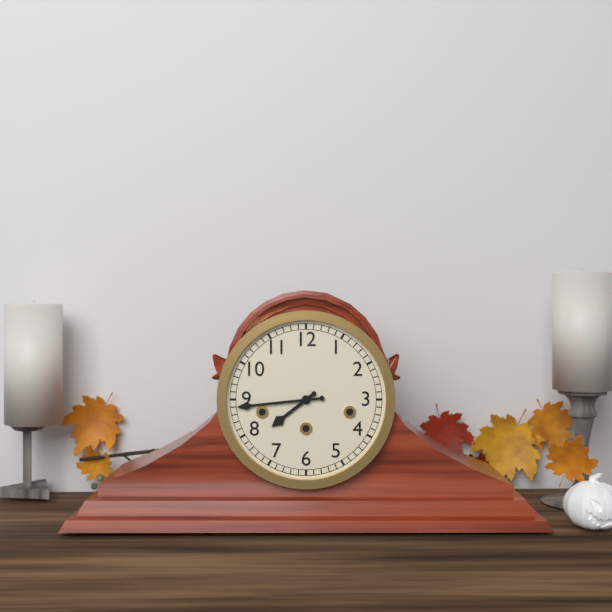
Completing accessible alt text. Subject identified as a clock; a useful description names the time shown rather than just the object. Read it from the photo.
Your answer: 7:44
